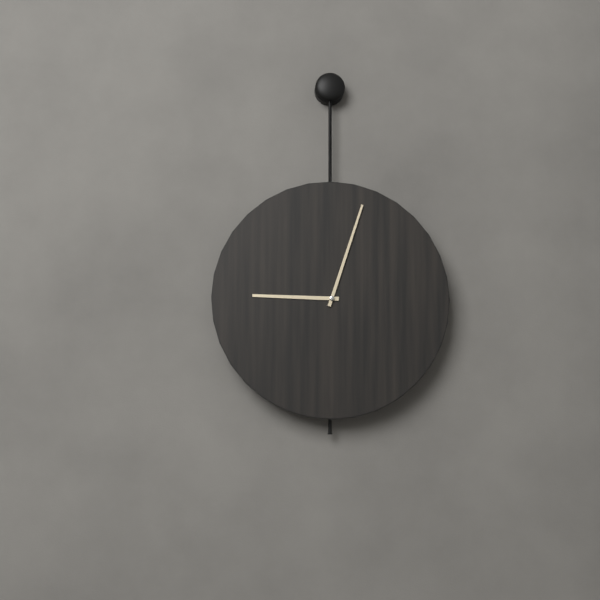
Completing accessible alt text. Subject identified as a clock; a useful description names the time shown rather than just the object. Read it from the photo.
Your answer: 9:03
